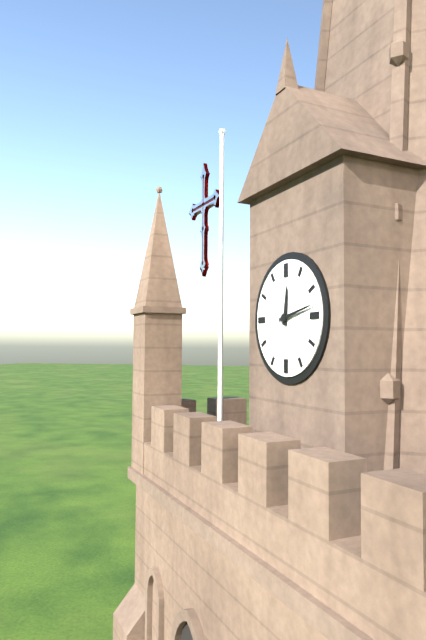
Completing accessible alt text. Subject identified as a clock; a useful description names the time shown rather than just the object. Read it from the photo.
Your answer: 12:13
